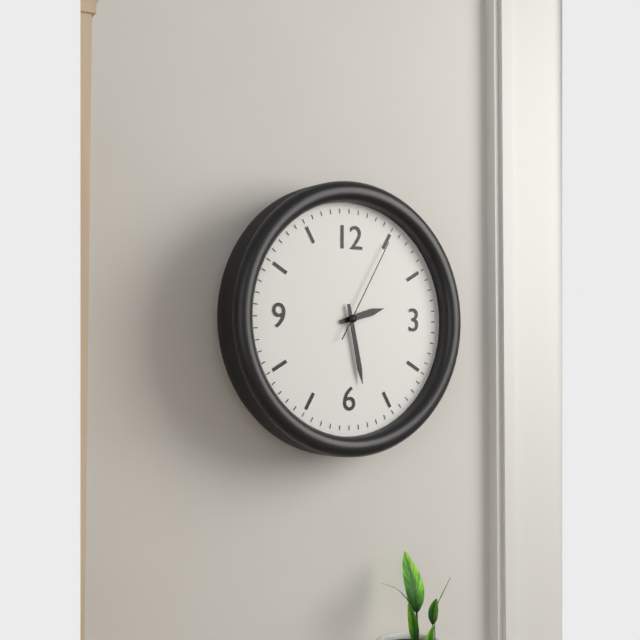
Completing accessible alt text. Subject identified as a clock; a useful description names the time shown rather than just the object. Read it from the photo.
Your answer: 2:28:05
